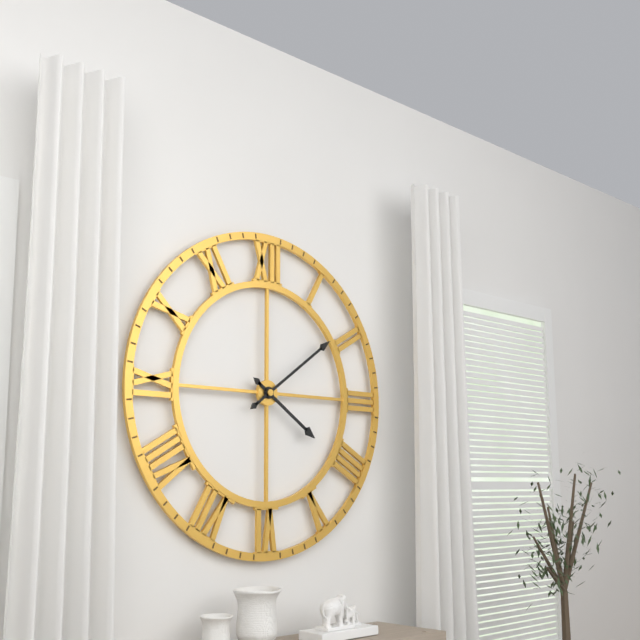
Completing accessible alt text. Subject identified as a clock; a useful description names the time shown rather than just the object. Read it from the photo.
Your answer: 4:09
